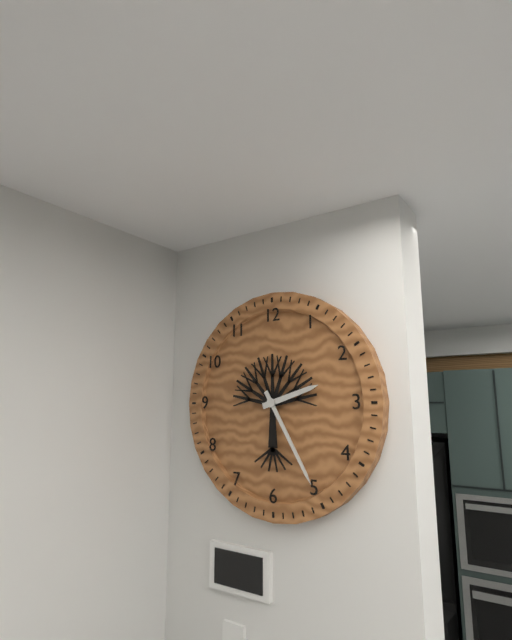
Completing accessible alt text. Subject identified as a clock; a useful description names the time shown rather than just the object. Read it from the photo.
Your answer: 2:25
